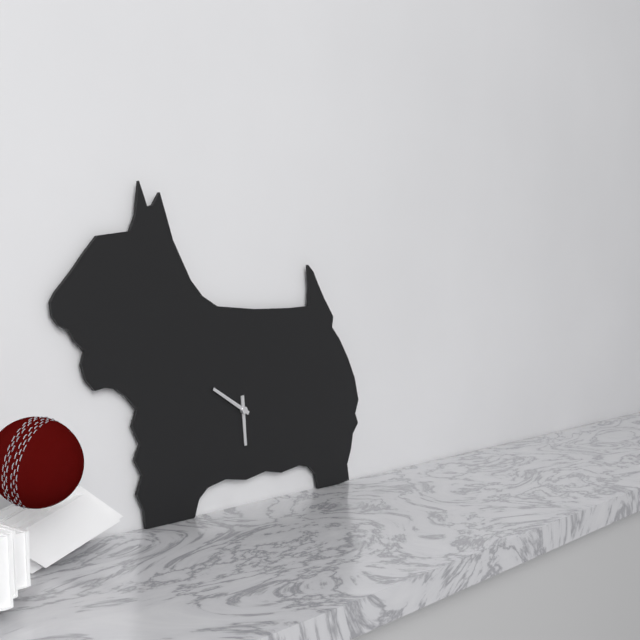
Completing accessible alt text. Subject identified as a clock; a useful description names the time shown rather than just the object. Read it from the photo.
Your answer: 5:50
